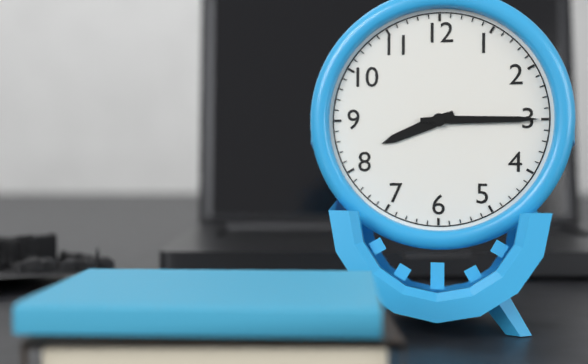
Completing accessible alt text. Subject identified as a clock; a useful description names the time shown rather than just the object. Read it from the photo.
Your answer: 8:15
